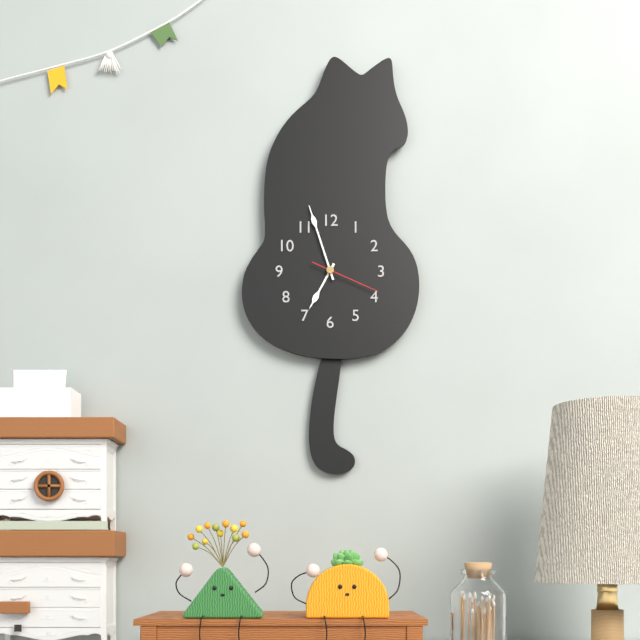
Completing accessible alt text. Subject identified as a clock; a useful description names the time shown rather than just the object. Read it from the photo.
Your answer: 6:57:19
